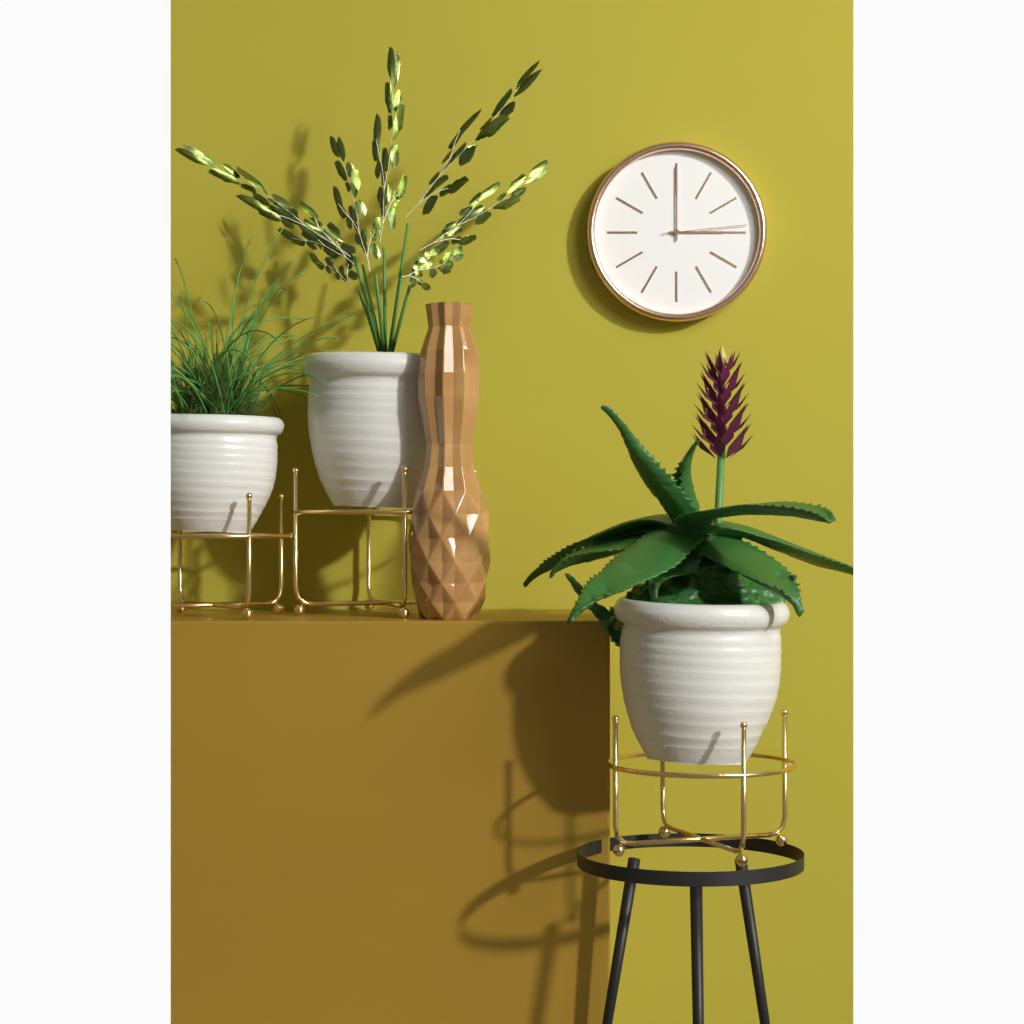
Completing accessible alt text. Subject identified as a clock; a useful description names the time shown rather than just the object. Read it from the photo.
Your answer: 3:00:14
